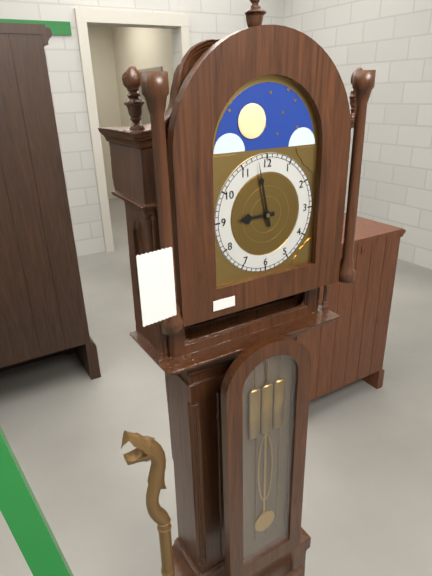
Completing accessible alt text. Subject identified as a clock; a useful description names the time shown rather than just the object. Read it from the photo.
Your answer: 8:58
